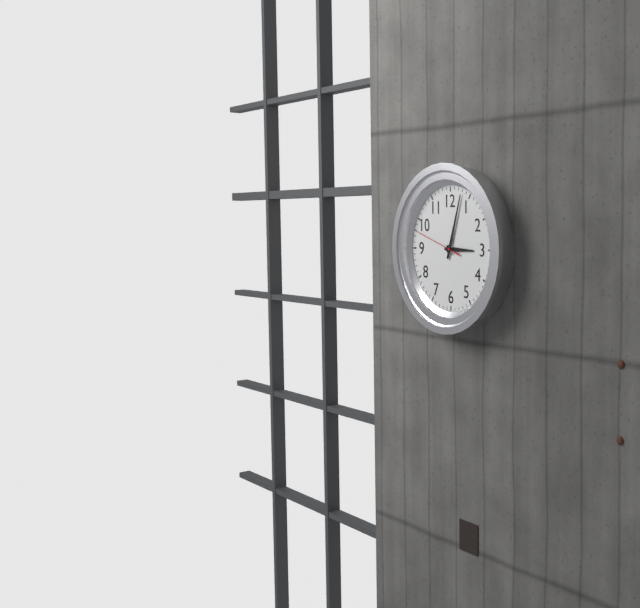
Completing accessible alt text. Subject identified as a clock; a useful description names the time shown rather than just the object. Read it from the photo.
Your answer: 3:03:48
